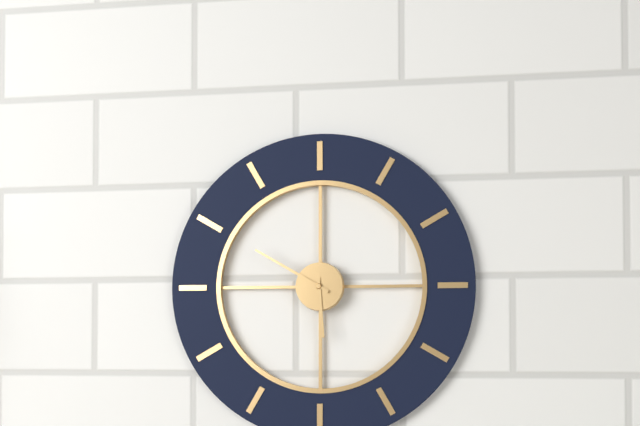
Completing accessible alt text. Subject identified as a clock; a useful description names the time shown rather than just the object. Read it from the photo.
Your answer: 5:50
